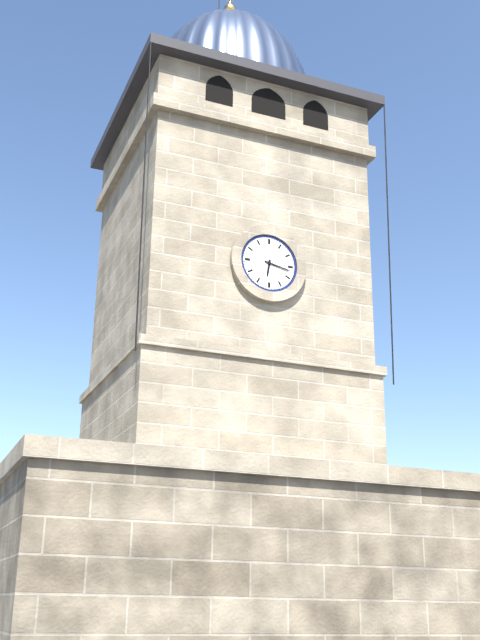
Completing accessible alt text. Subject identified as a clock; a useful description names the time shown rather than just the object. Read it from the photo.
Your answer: 6:17
